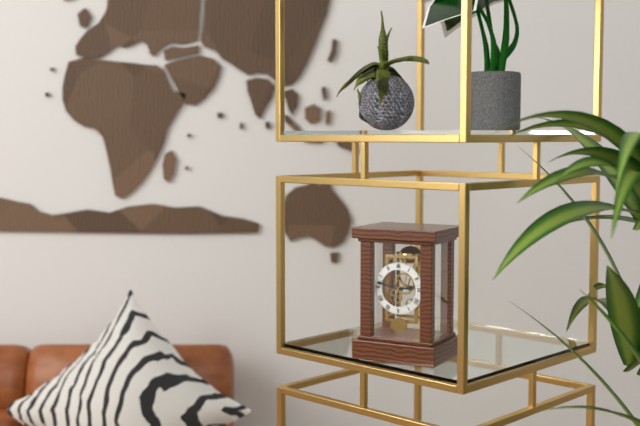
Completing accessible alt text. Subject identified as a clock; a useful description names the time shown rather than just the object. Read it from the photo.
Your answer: 2:47
